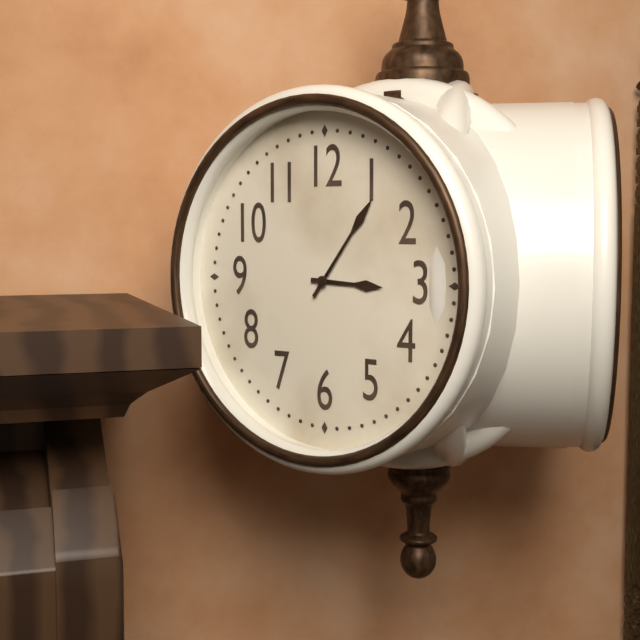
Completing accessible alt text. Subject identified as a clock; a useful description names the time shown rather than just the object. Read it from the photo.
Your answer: 3:06
